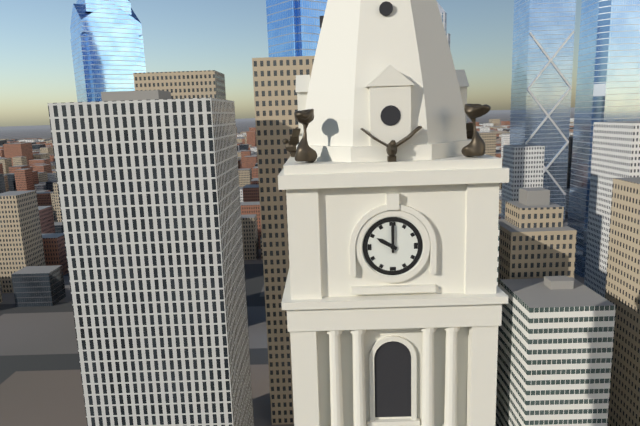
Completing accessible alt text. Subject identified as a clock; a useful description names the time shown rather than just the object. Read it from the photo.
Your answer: 10:00
